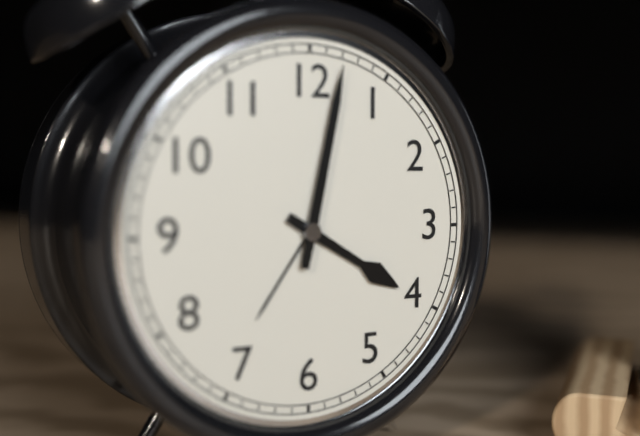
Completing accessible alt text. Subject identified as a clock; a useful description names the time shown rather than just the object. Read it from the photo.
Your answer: 4:02
